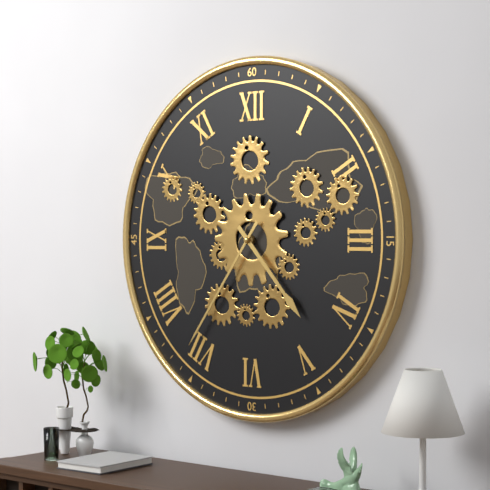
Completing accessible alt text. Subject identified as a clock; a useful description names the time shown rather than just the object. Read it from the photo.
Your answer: 4:36
